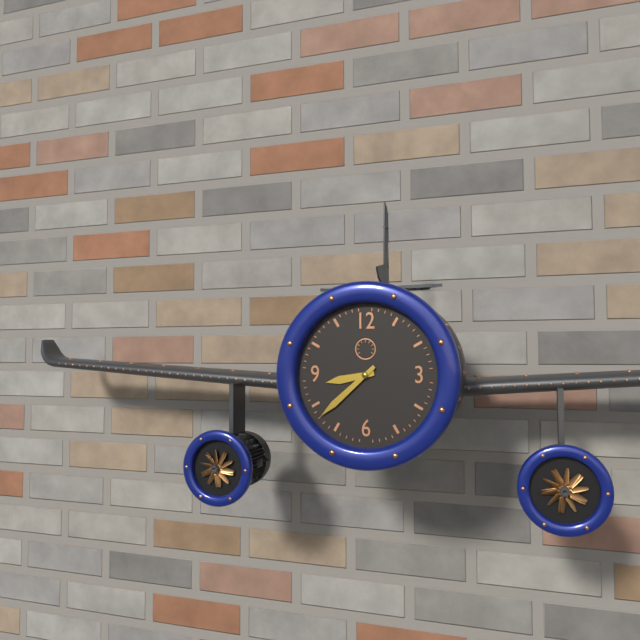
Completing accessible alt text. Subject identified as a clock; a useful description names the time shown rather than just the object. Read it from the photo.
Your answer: 8:38
